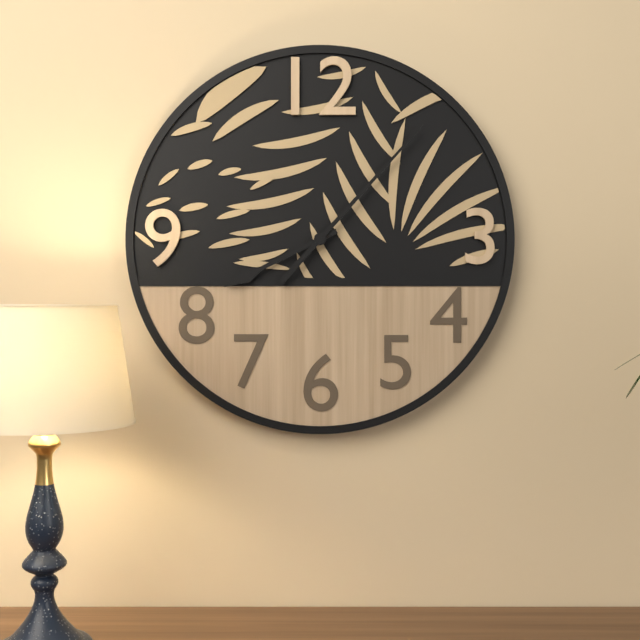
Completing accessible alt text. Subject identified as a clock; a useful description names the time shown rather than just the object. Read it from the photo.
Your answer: 8:07
